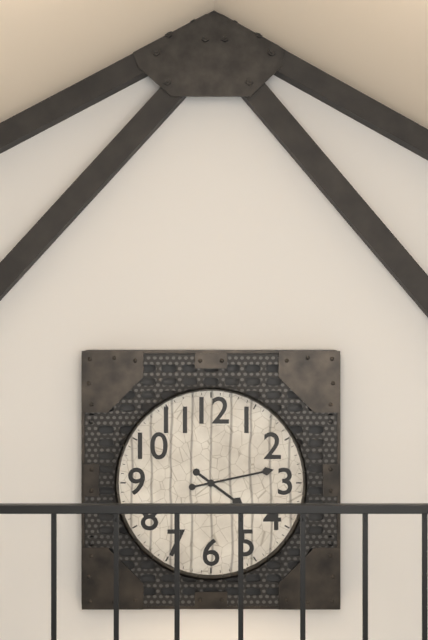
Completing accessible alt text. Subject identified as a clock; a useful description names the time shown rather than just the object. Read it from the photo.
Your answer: 4:13
